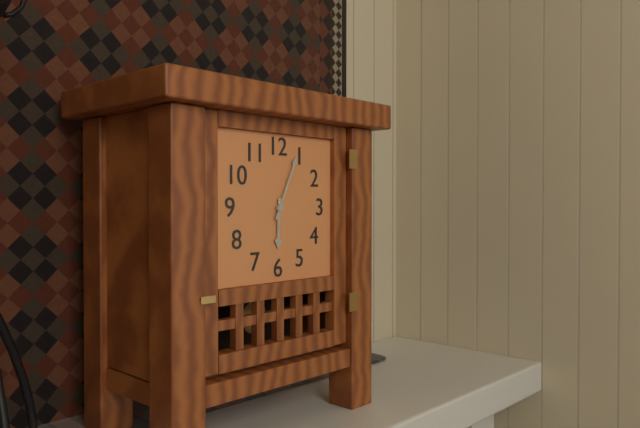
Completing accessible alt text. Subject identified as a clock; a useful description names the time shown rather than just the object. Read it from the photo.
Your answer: 6:04
